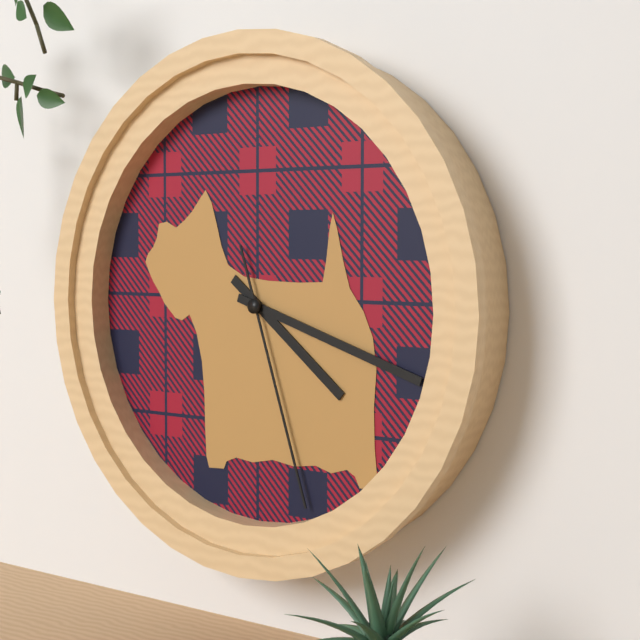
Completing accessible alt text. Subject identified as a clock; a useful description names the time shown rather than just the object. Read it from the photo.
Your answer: 4:18:27
